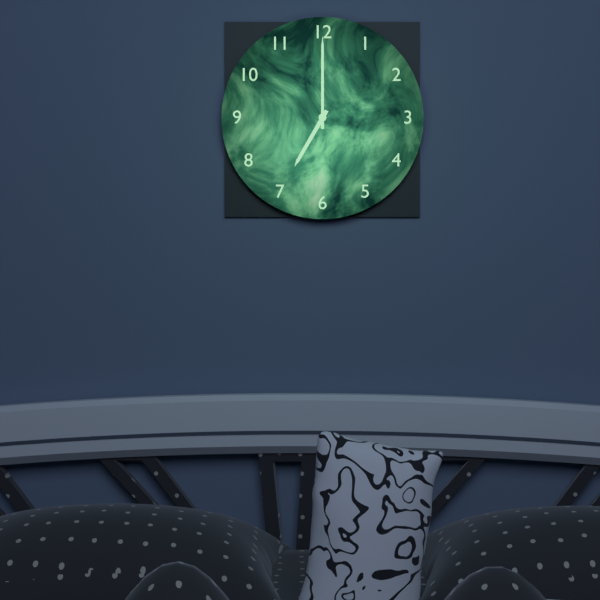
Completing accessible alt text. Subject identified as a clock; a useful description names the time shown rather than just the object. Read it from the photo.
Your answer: 7:00
